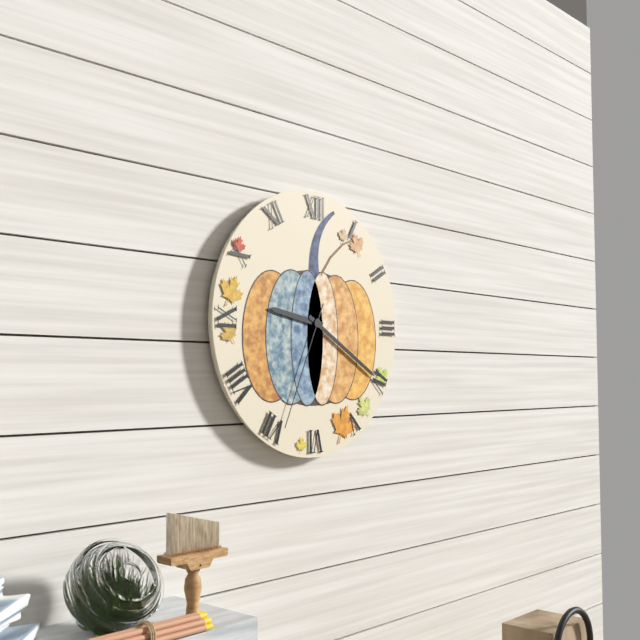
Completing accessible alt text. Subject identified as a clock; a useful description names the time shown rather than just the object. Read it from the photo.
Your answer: 9:20:34
